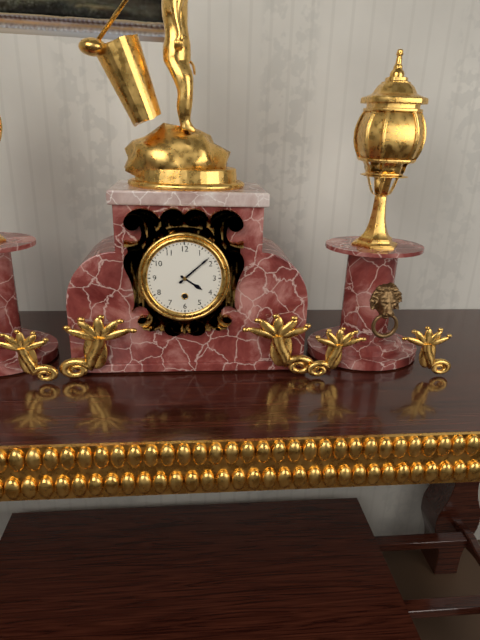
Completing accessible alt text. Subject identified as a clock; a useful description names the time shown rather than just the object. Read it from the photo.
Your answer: 4:08
